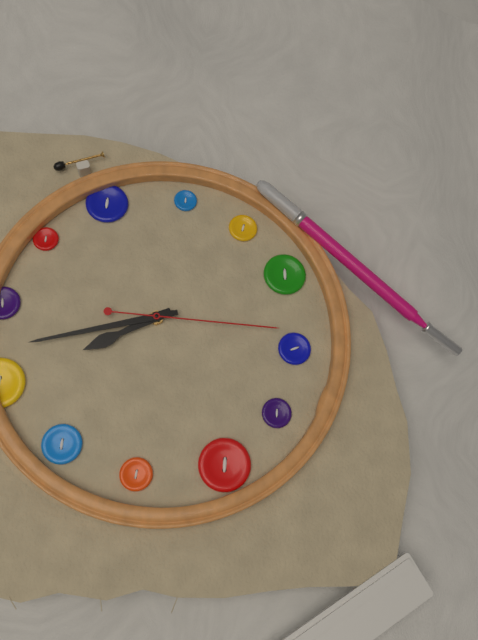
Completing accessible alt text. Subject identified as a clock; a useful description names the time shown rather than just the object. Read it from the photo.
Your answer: 10:57:30
